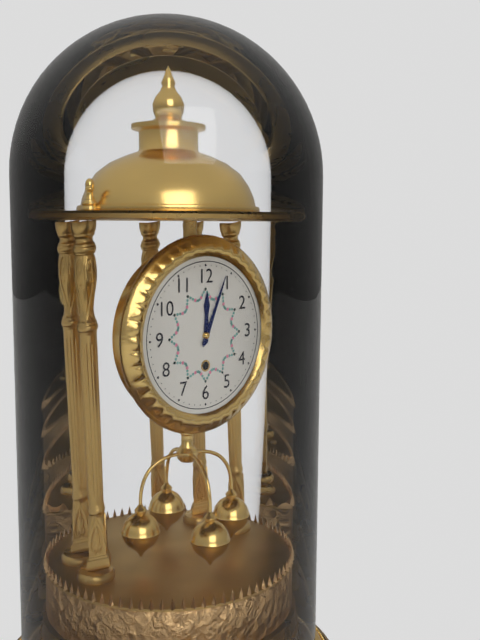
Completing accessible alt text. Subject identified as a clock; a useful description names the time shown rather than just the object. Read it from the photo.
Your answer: 12:04
